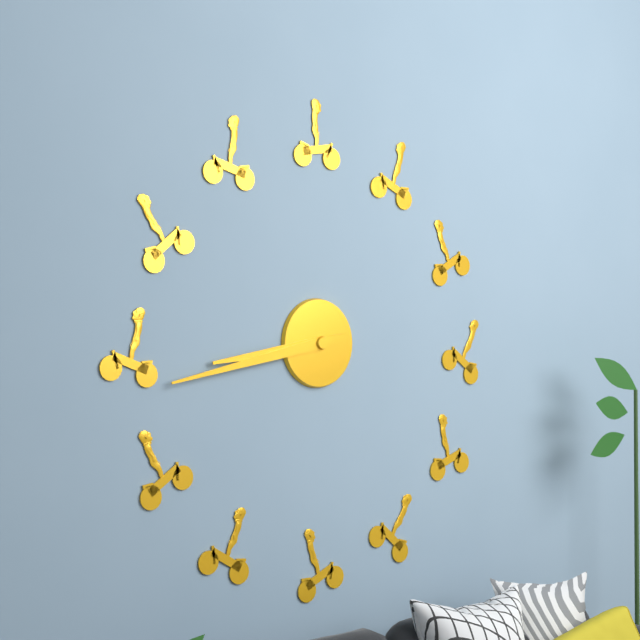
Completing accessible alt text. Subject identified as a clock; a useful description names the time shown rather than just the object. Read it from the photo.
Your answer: 8:43
